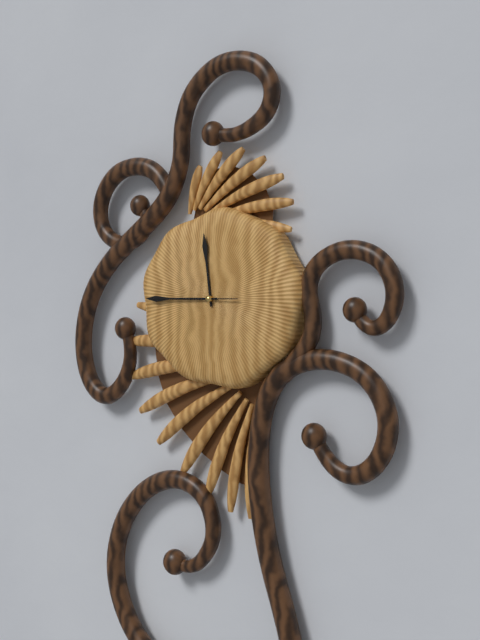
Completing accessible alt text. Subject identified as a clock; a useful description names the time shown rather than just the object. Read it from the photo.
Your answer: 11:45:45
